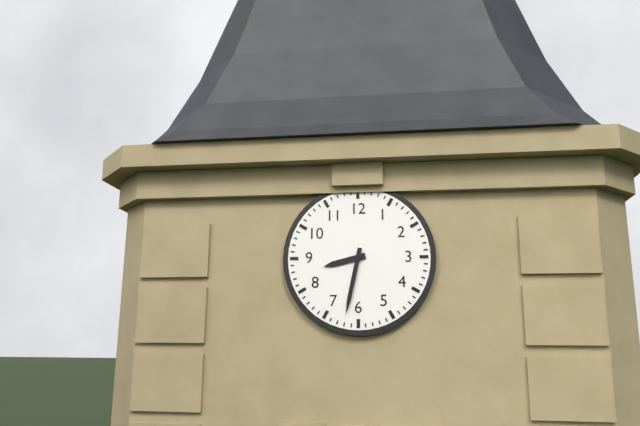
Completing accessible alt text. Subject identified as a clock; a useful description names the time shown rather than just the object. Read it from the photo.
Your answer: 8:32
